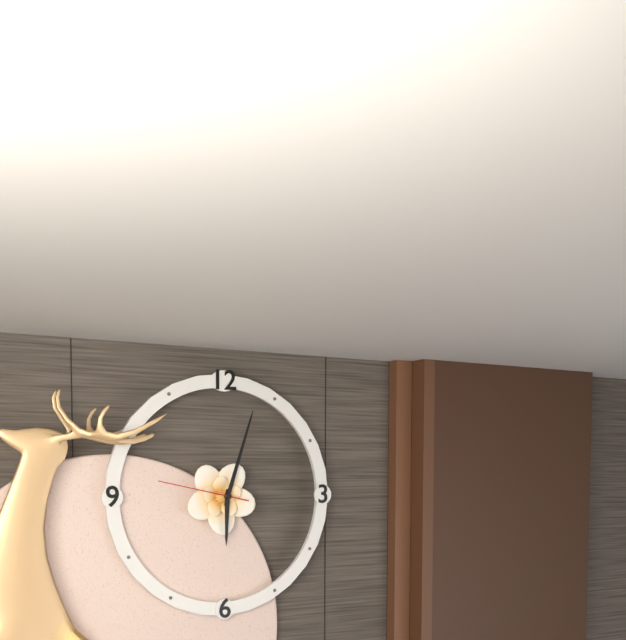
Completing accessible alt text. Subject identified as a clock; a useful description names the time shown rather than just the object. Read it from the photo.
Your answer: 6:03:47
